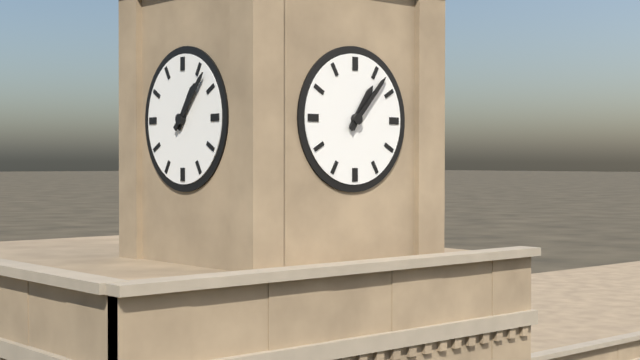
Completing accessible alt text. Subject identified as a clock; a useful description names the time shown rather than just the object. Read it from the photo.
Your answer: 1:07
